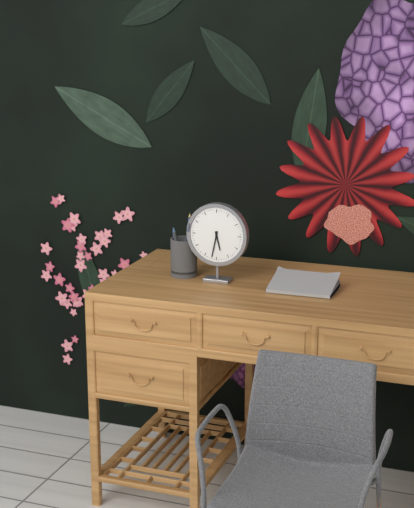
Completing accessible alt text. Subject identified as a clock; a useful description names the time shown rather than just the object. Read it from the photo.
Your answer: 5:32
